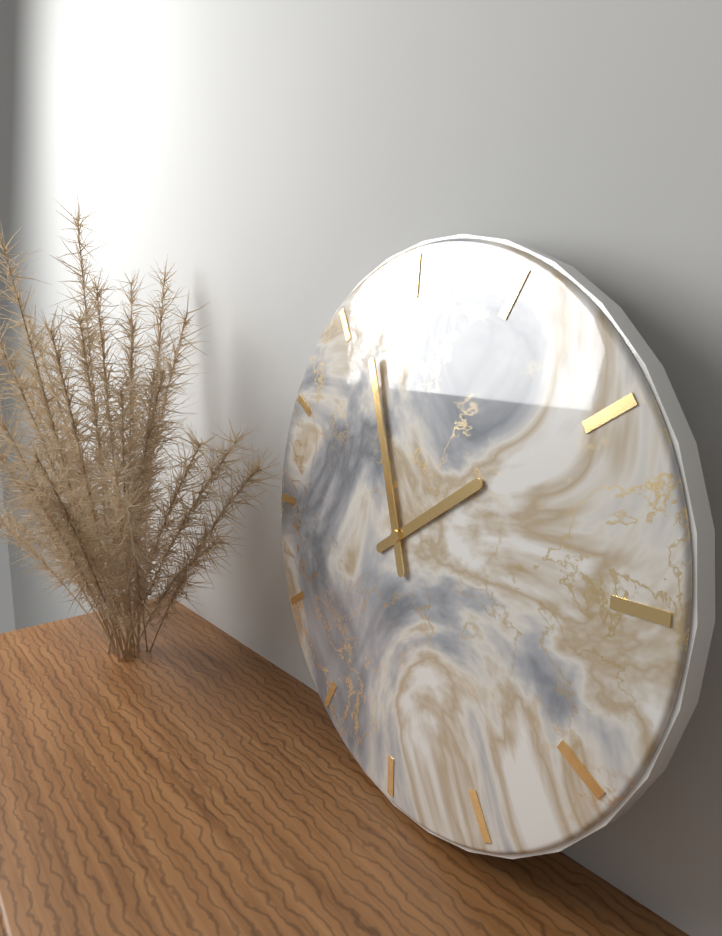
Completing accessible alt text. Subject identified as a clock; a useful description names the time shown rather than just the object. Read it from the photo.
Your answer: 1:57
